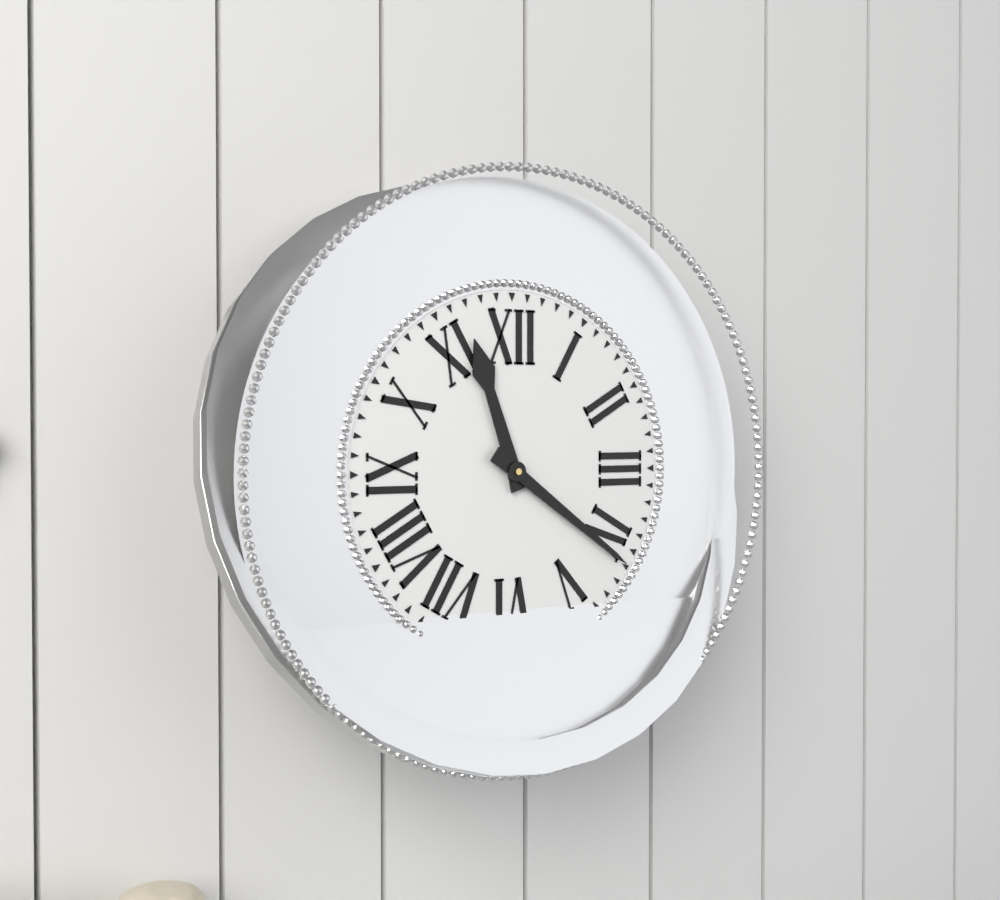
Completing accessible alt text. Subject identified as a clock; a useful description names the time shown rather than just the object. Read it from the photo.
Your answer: 11:21
